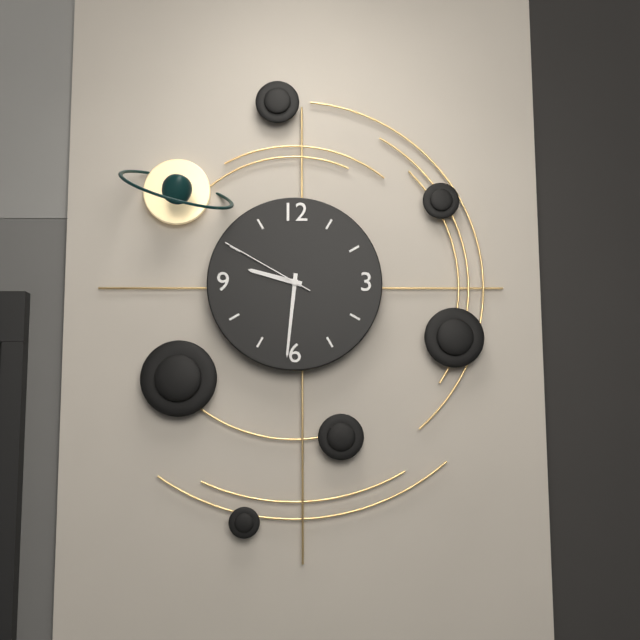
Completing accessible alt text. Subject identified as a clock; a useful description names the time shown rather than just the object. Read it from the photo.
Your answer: 9:31:50
